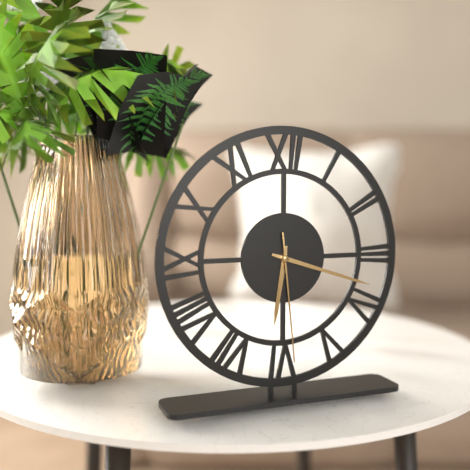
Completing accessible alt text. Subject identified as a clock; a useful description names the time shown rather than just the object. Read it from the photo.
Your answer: 6:18:29
